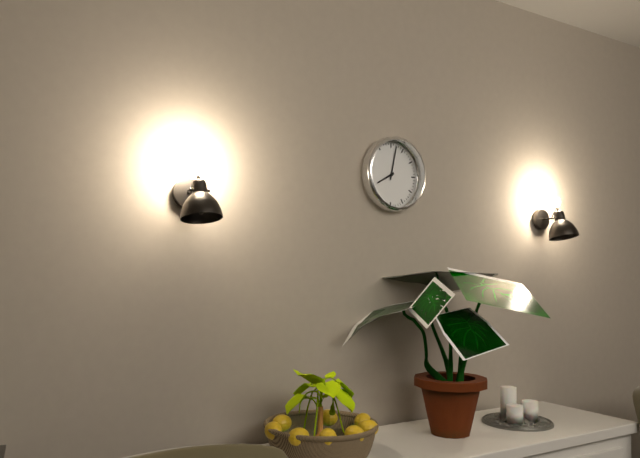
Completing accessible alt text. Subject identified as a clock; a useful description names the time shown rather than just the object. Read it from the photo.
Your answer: 8:02
